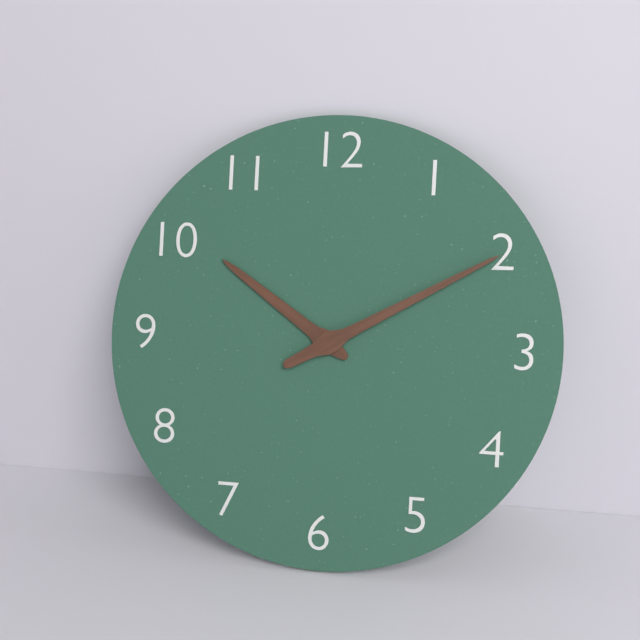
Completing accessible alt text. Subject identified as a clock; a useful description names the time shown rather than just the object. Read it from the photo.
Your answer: 10:10
